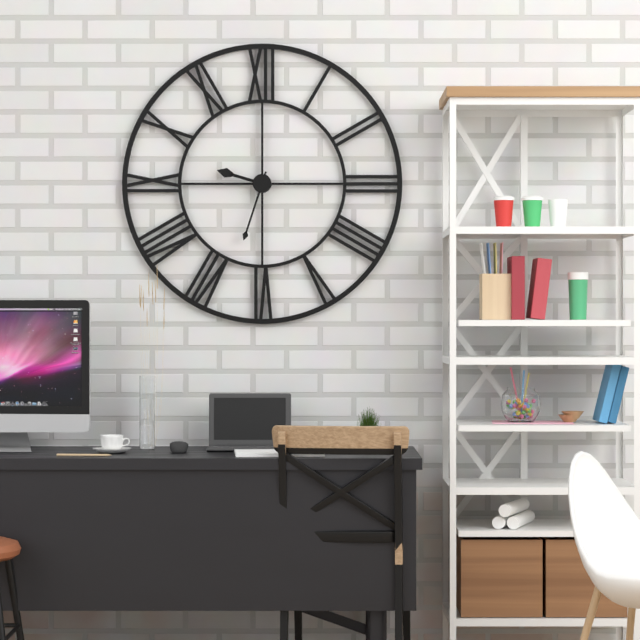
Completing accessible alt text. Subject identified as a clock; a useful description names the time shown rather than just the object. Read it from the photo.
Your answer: 9:33:00
